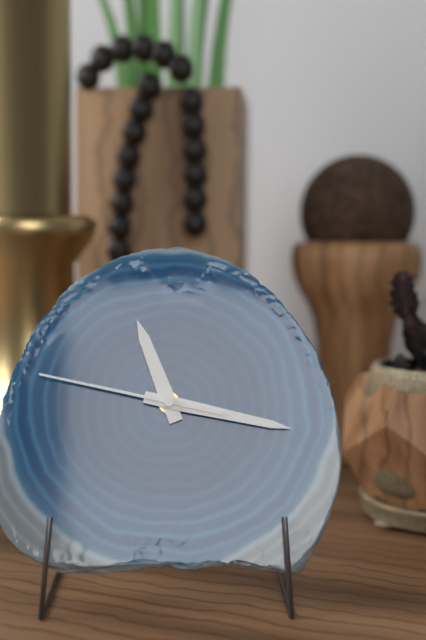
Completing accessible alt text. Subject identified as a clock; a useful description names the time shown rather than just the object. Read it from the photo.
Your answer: 11:17:47
